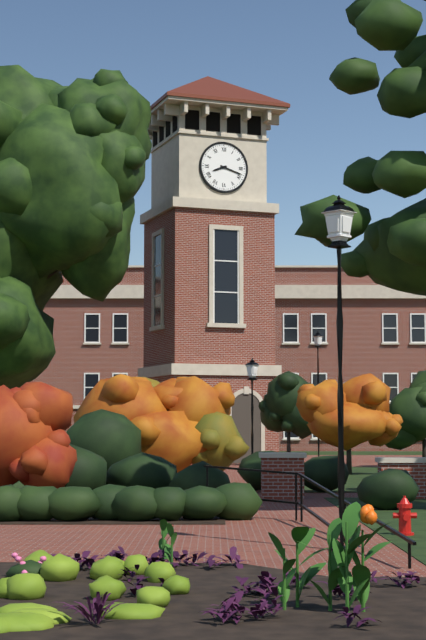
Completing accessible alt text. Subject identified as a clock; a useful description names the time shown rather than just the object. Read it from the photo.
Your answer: 8:18
